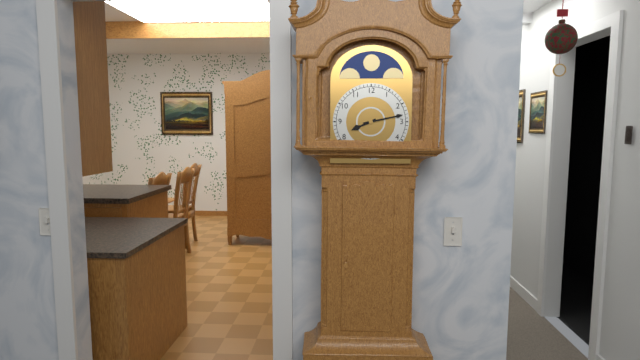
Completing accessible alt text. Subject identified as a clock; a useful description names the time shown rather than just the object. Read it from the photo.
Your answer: 8:13
